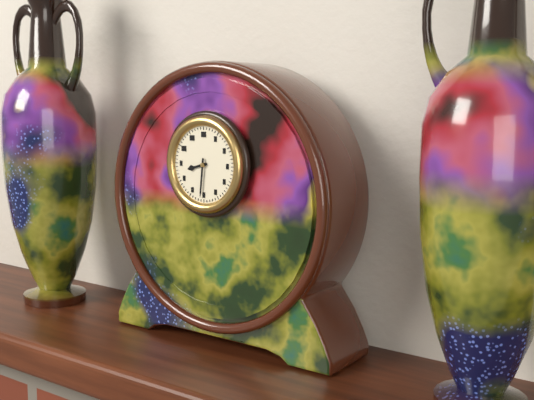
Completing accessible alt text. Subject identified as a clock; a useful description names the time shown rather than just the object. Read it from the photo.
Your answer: 8:31
